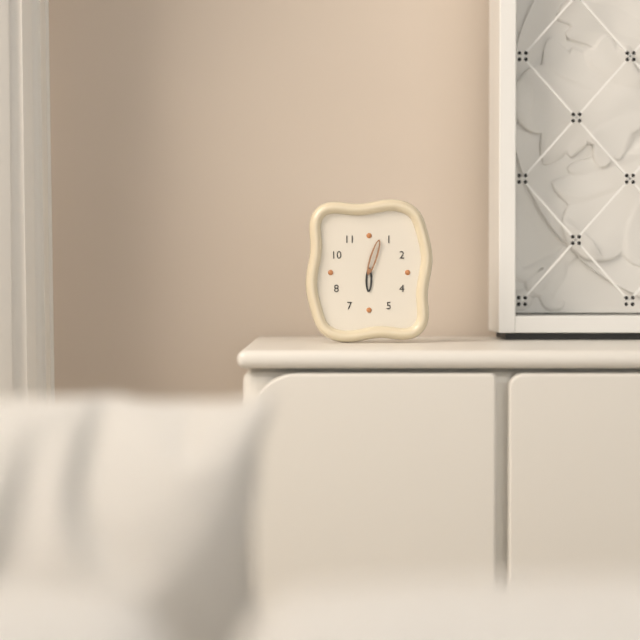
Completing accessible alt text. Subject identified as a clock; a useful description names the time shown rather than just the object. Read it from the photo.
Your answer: 6:03
